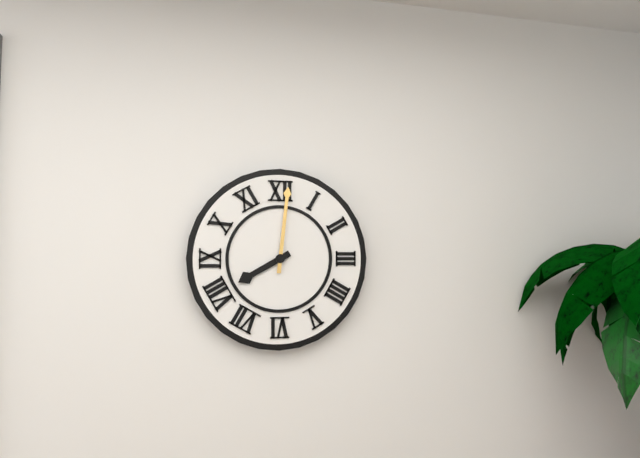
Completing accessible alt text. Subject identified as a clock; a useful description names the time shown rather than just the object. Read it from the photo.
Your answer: 8:01
